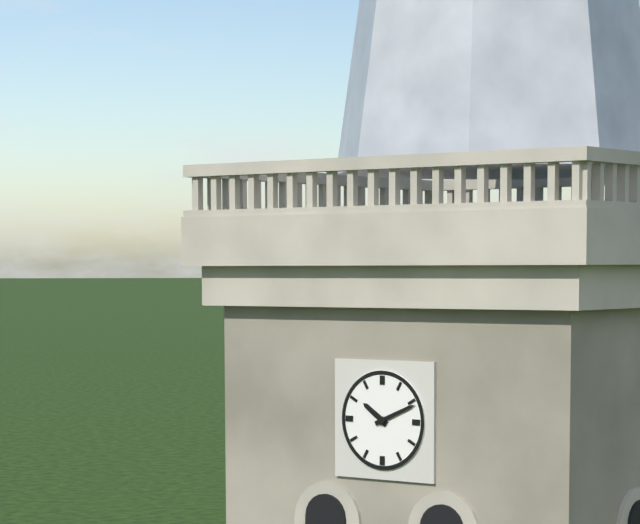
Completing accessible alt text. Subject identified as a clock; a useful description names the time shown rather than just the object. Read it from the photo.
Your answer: 10:11
